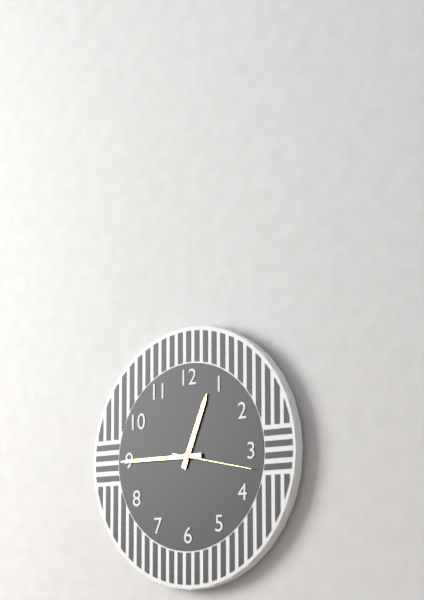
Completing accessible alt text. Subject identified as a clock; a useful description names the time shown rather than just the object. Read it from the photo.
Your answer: 12:45:17
